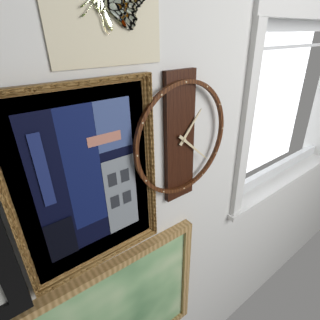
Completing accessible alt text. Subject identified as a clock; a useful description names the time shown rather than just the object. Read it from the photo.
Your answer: 1:22
